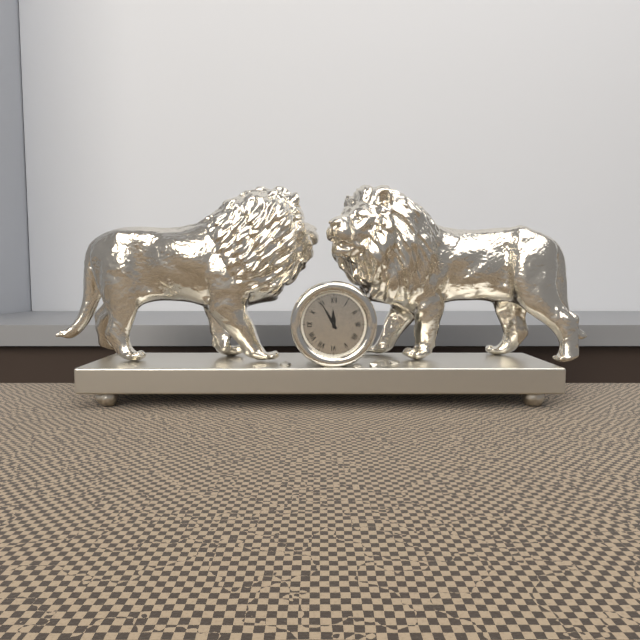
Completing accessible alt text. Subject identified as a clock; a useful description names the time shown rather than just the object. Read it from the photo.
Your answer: 11:55
